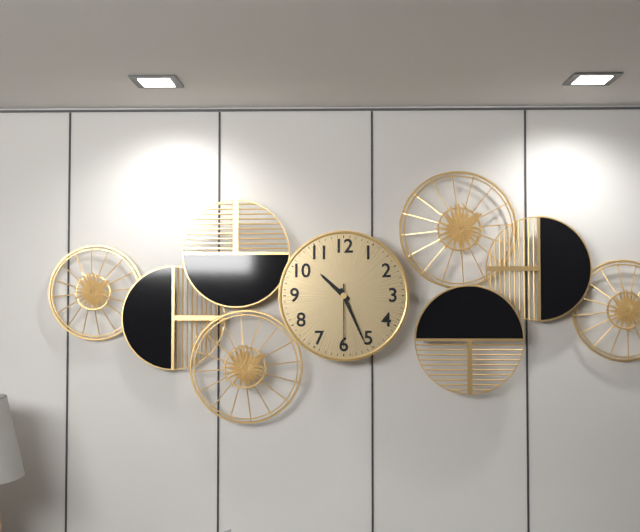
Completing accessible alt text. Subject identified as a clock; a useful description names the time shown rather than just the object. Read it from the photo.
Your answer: 10:26:30
